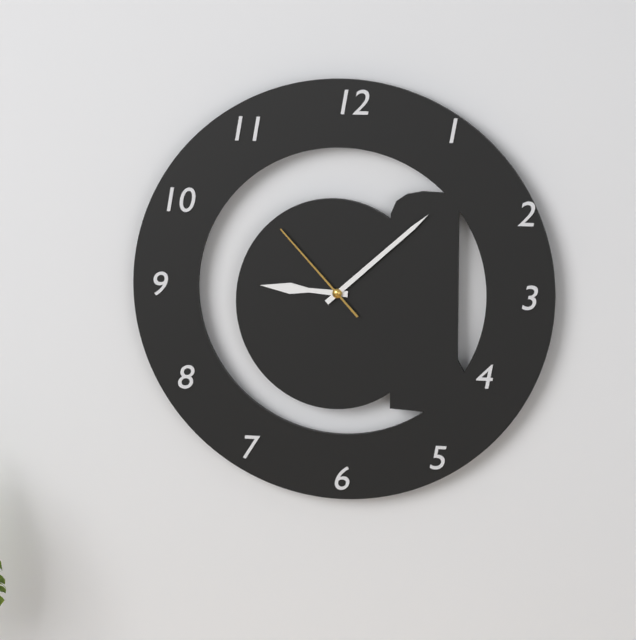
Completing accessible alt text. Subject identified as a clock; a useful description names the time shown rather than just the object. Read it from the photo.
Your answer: 9:08:53
